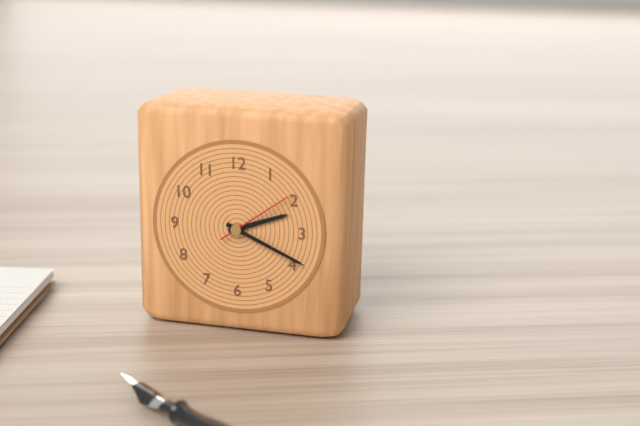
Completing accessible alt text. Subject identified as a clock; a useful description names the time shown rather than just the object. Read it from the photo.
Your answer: 2:19:09
